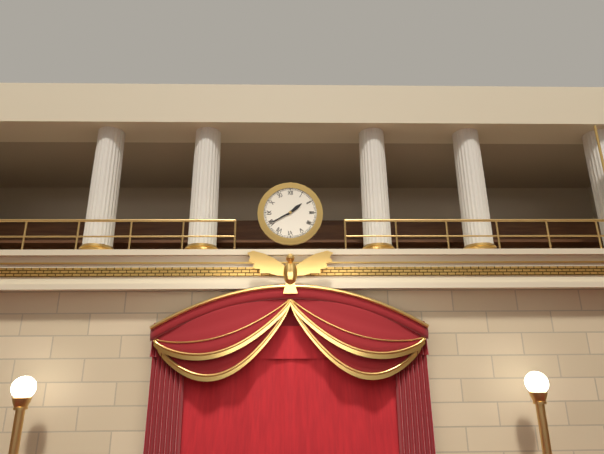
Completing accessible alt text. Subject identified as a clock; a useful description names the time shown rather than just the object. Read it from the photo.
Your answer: 1:40
